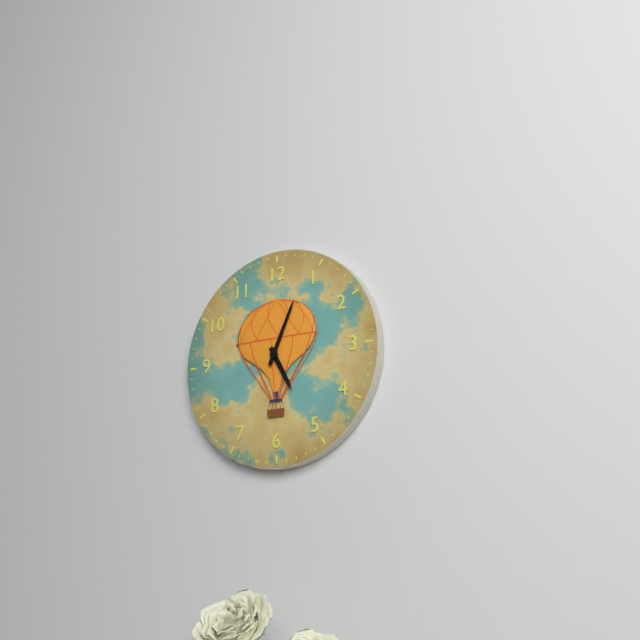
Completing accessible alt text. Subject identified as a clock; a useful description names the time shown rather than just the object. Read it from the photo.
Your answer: 5:04
